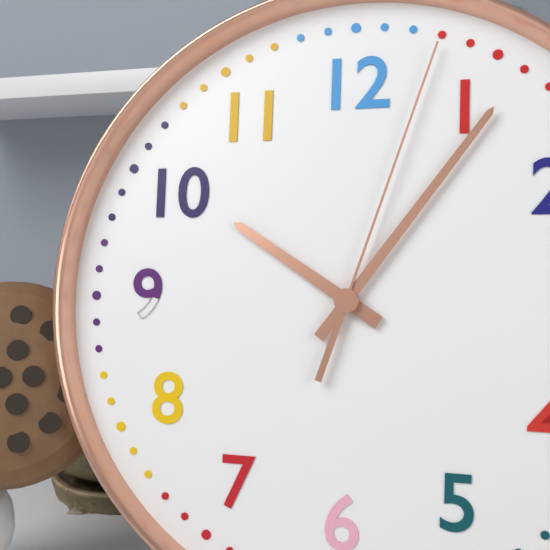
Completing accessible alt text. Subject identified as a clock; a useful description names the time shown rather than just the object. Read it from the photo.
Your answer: 10:06:03
